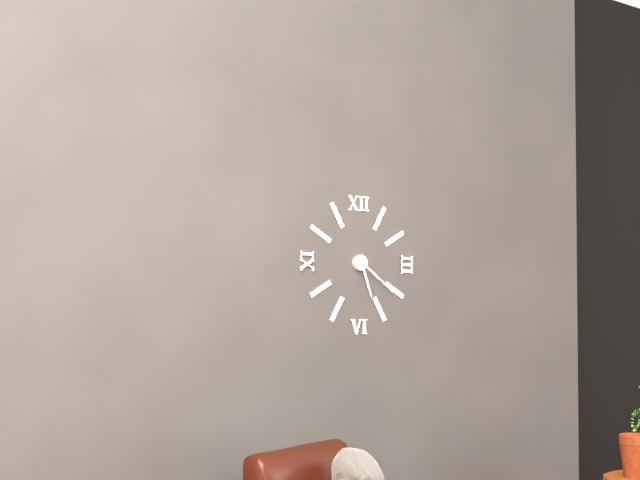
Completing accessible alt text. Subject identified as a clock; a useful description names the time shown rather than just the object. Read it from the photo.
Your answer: 5:21
